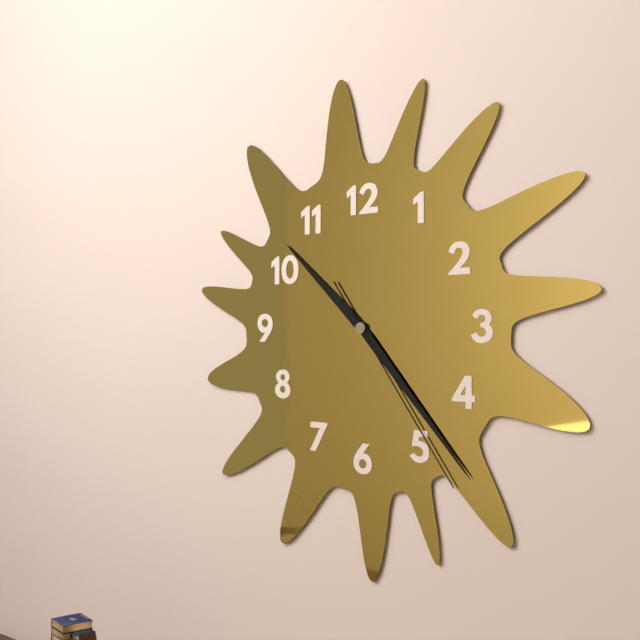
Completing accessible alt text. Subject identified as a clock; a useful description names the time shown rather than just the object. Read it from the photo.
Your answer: 10:23:24
